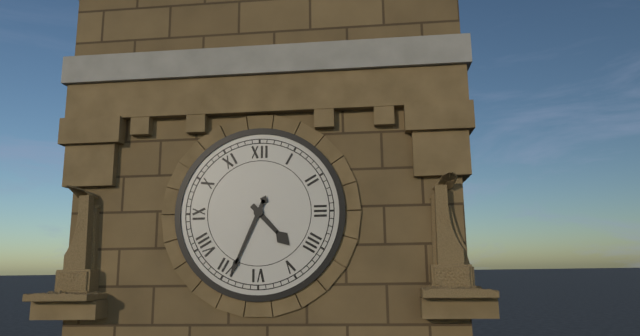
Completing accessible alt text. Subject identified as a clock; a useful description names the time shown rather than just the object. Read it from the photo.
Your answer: 4:34
